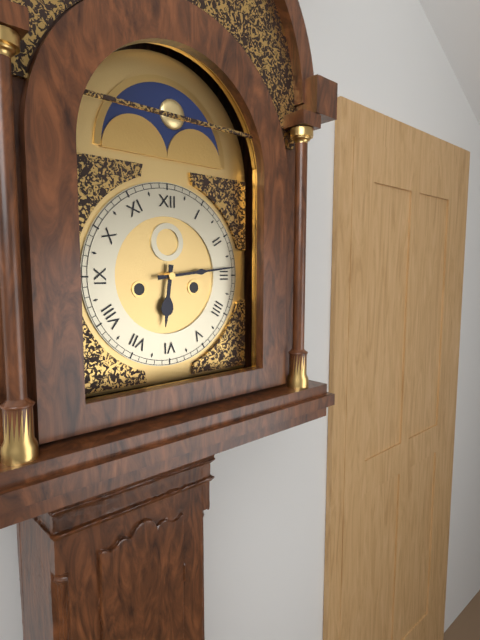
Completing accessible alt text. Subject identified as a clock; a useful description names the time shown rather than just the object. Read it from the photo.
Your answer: 6:14
